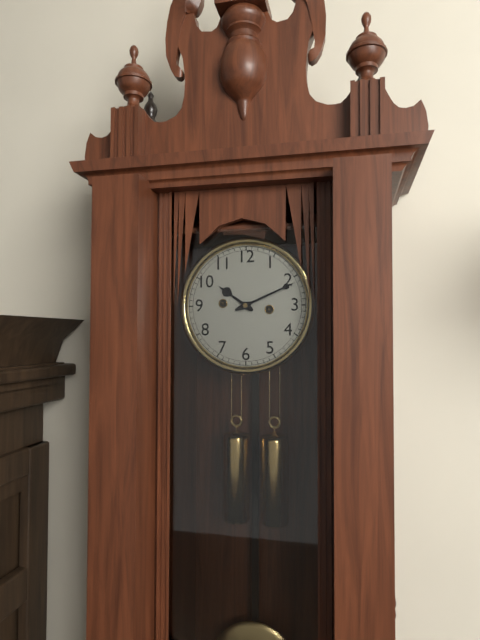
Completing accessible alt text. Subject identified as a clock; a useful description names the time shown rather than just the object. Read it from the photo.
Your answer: 10:11
